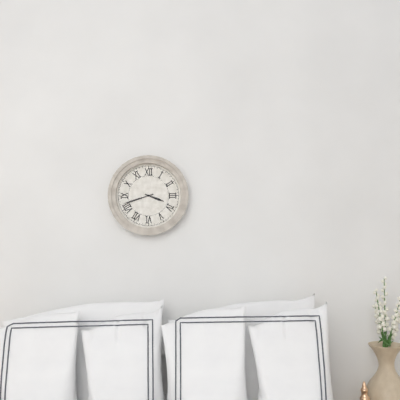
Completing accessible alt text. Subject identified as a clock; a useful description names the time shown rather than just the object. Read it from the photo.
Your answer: 3:42
